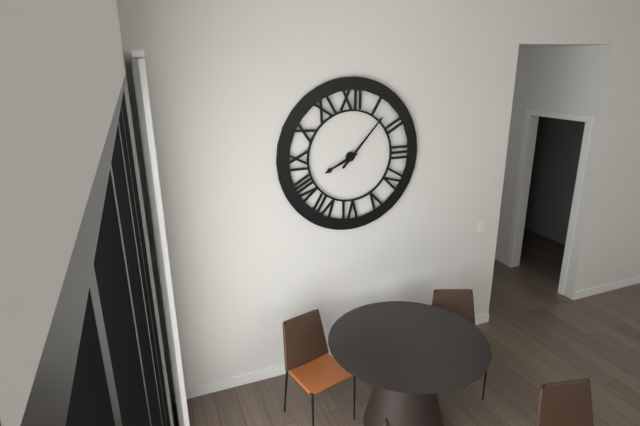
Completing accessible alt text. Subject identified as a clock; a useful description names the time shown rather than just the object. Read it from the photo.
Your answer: 8:07
